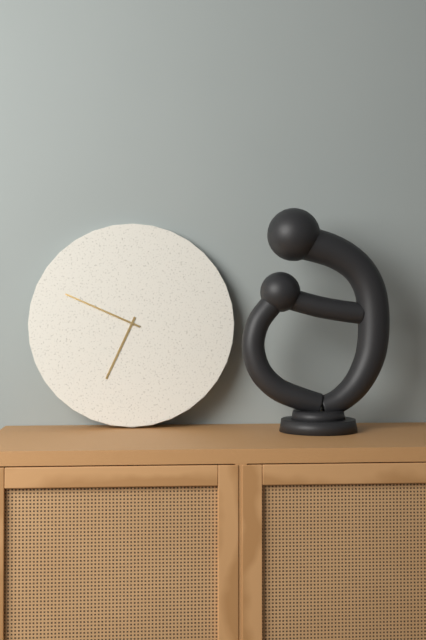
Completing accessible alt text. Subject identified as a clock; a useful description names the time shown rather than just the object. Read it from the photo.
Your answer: 6:49
